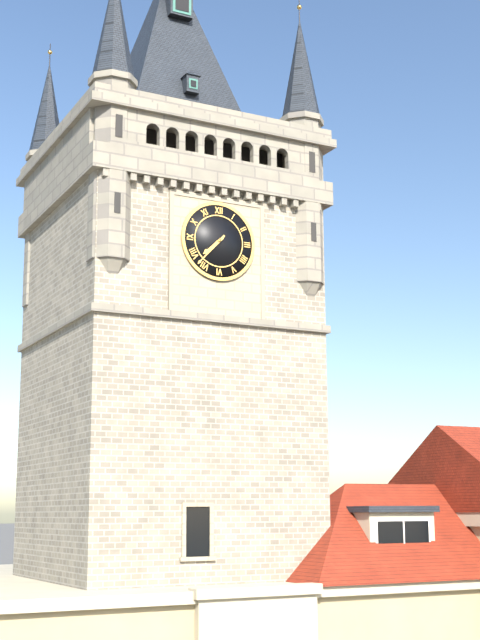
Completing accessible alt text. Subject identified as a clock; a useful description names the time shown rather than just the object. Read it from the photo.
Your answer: 7:37
